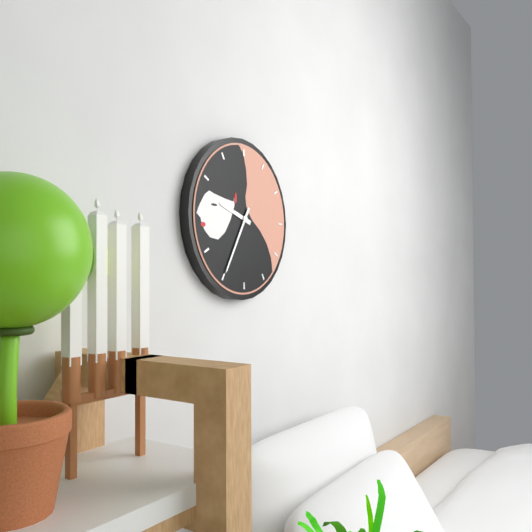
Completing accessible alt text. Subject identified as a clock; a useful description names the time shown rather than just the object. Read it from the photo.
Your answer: 9:35
